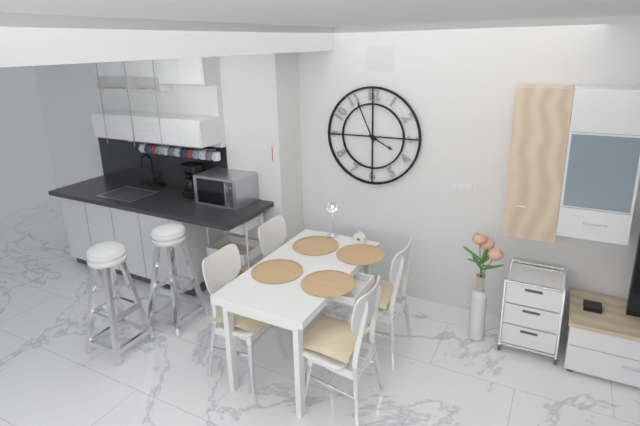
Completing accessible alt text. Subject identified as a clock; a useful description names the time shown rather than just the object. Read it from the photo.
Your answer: 3:56
